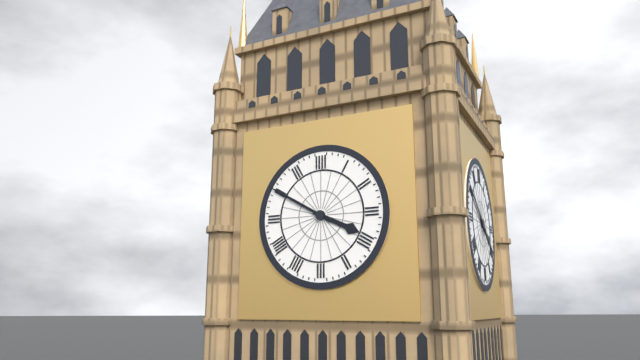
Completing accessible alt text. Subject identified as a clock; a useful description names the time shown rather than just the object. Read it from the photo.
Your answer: 3:50
